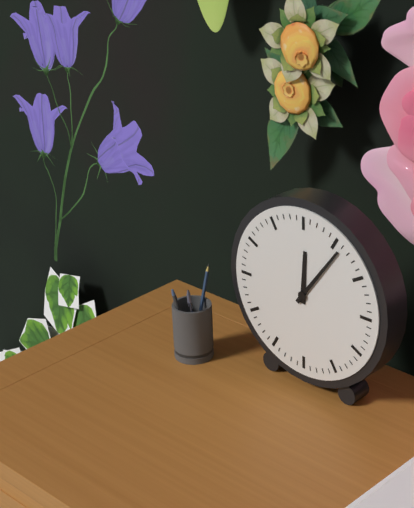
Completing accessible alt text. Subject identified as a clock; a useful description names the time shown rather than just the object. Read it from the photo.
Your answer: 12:06
